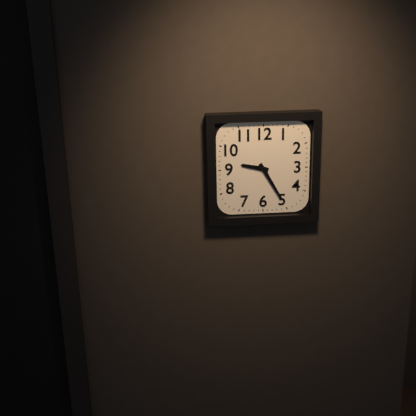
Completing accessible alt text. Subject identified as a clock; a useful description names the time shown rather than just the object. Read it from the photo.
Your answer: 9:25
